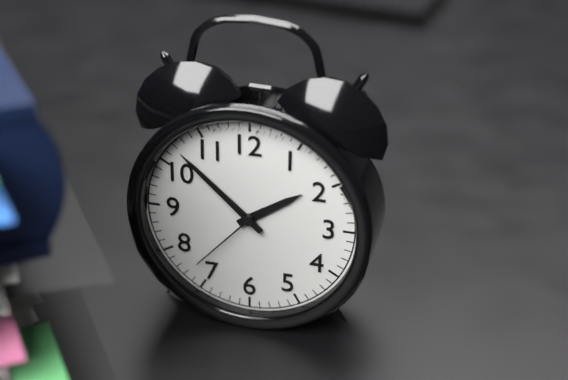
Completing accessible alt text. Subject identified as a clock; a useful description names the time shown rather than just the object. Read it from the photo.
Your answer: 1:52:37
